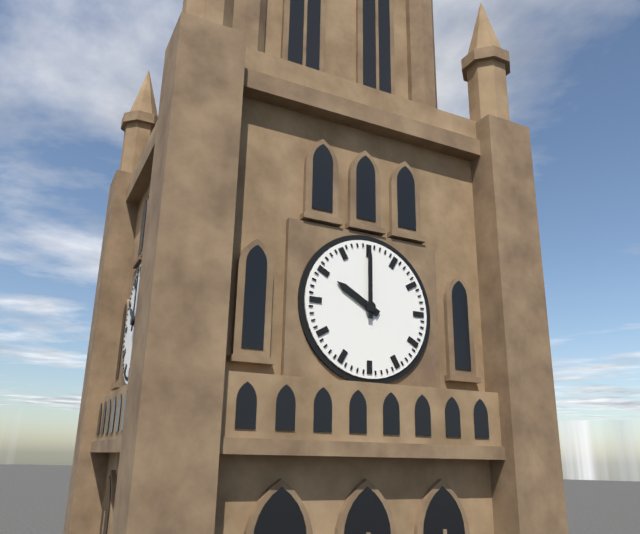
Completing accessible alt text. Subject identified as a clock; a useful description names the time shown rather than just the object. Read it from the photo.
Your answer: 10:00
